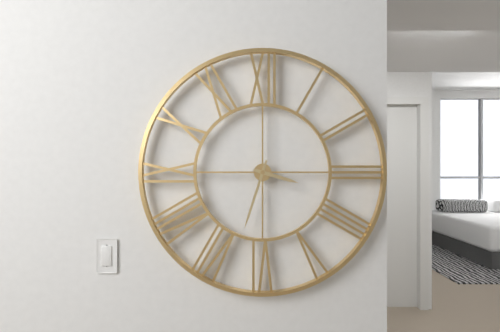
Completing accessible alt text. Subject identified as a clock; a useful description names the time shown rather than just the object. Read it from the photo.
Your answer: 3:33
